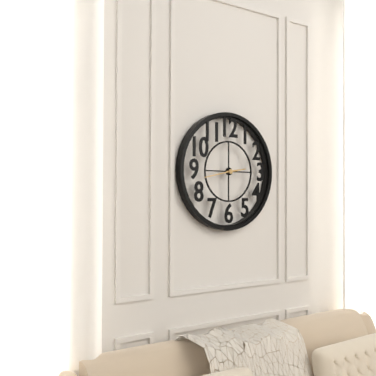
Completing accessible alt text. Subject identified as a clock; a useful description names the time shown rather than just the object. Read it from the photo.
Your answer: 2:43
